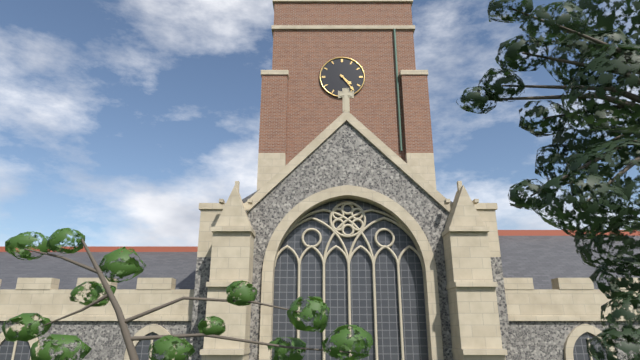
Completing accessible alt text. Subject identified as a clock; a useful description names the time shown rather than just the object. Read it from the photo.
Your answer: 4:24
